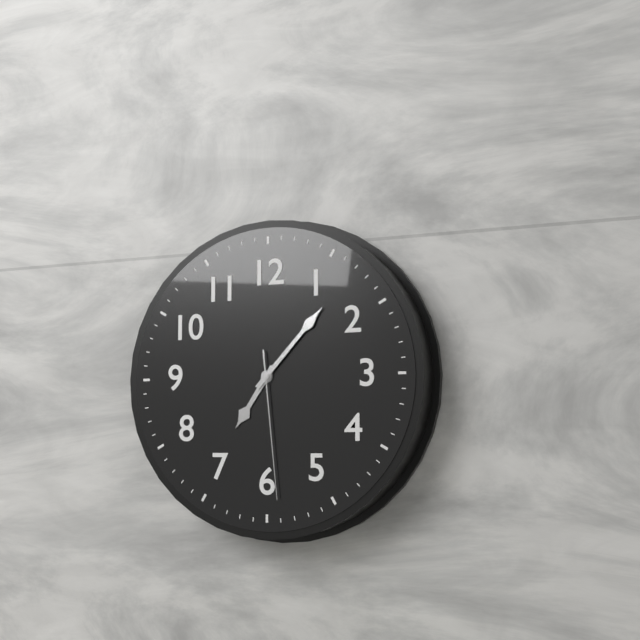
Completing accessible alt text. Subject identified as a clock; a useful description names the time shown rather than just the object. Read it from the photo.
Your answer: 7:07:29
